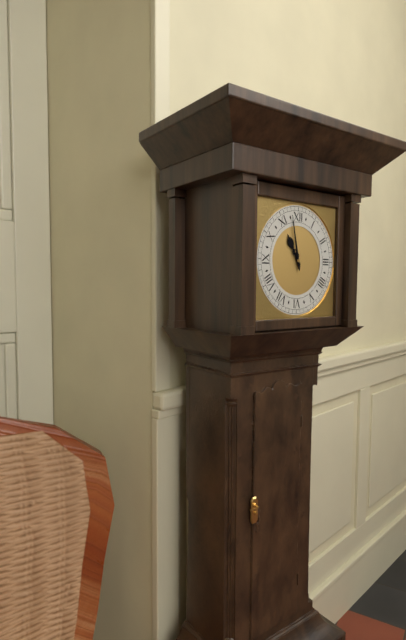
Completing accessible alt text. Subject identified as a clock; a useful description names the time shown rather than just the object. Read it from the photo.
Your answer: 10:58
